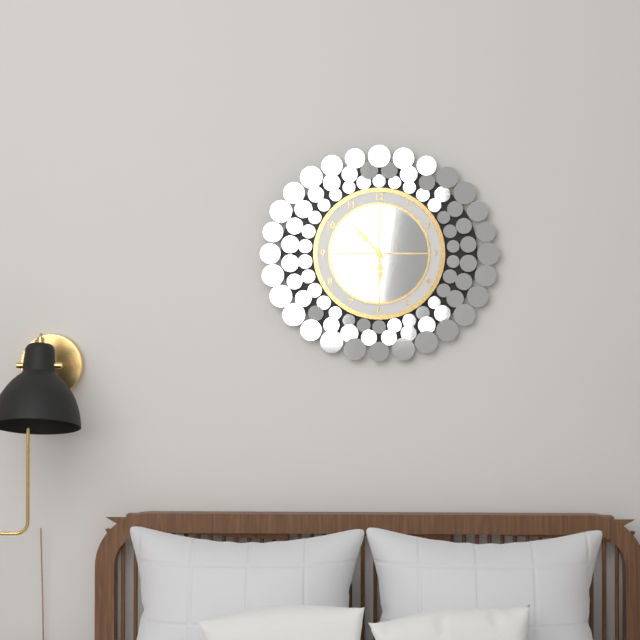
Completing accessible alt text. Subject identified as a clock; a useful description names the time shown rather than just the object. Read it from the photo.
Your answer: 5:53:58
